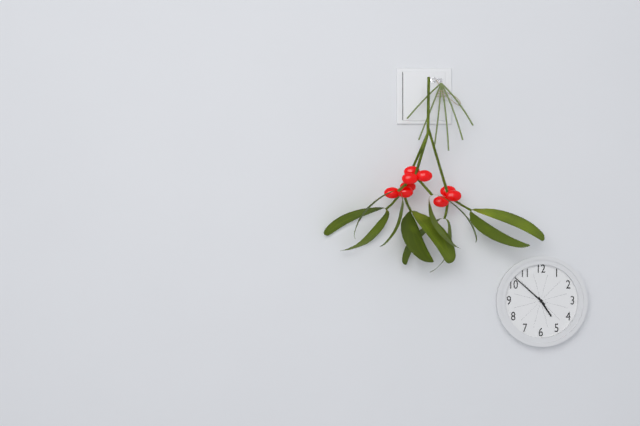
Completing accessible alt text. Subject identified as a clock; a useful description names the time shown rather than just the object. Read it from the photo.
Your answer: 4:52
